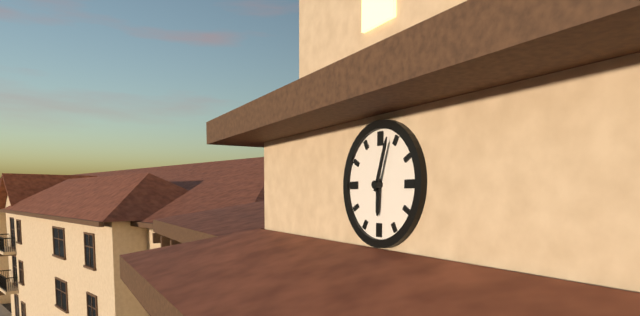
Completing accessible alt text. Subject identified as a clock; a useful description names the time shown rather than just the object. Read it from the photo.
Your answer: 6:03
